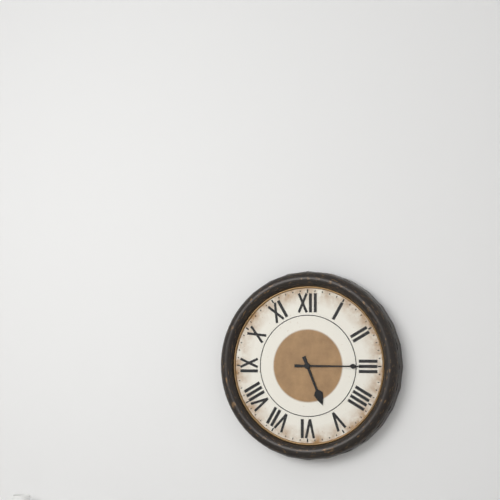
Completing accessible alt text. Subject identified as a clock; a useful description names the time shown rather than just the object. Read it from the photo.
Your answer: 5:15
